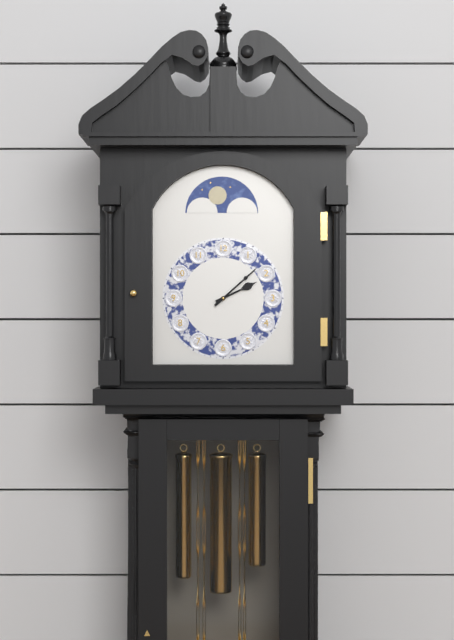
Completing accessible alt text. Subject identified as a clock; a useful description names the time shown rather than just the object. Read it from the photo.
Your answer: 2:08
